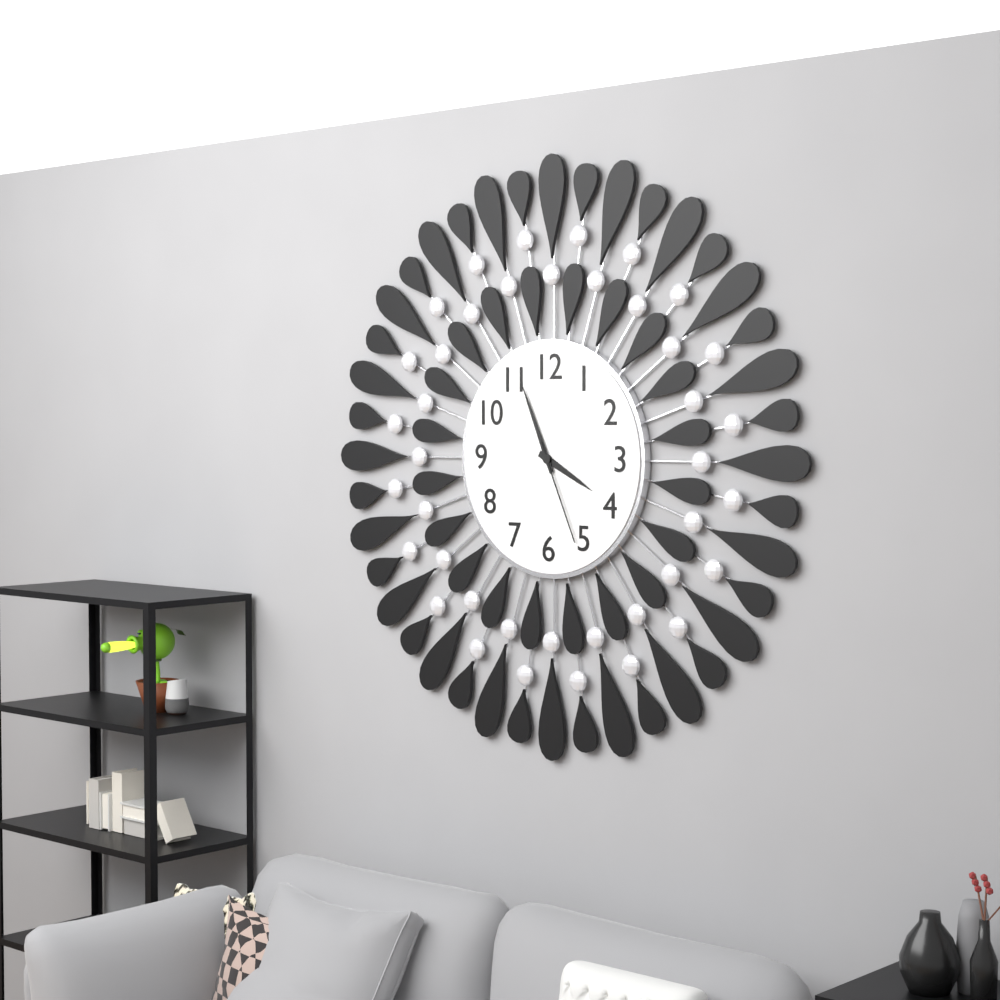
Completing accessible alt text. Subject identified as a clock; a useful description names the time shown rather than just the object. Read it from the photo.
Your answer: 3:56:26
